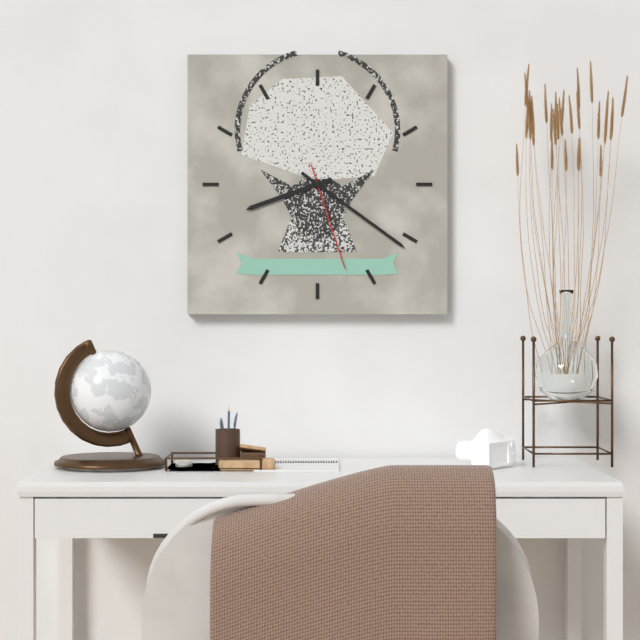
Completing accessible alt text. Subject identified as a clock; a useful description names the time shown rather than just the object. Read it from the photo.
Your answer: 8:21:27
